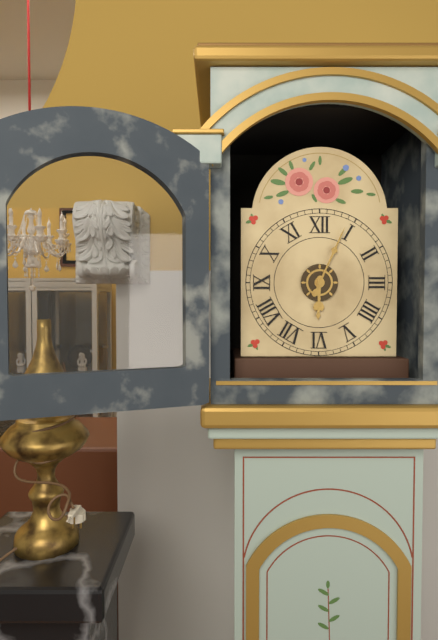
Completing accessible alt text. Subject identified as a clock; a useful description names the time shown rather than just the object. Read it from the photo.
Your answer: 6:04
